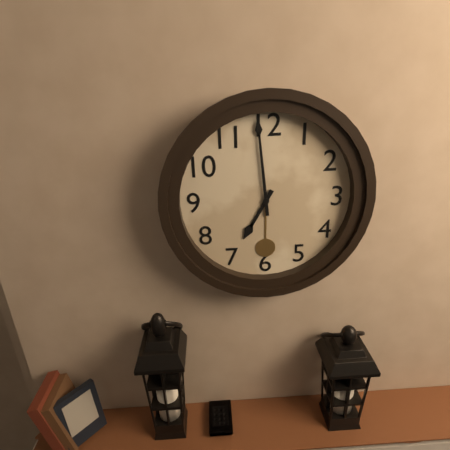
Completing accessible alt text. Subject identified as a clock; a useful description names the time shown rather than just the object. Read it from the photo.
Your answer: 6:59
